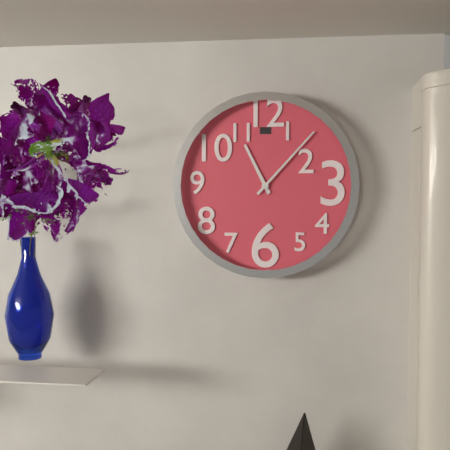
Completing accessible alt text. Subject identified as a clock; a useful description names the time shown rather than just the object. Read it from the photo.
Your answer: 11:07
